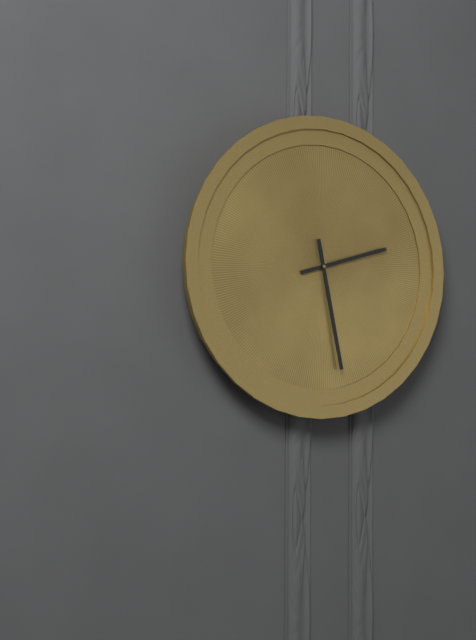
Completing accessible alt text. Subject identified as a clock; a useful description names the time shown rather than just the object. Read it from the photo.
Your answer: 2:28
